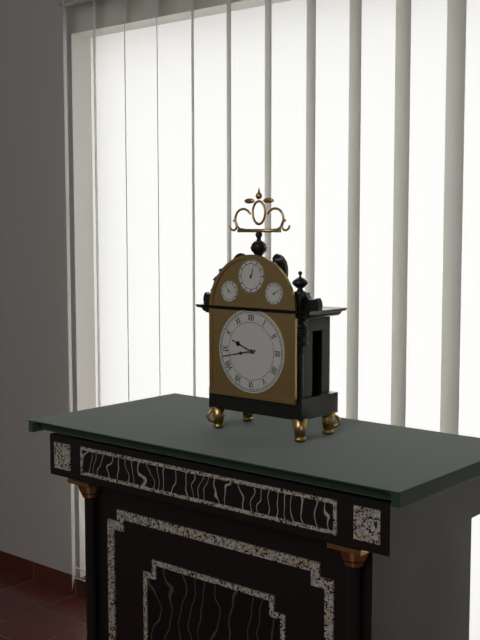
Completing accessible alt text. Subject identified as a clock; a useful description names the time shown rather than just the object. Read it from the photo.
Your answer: 9:43
